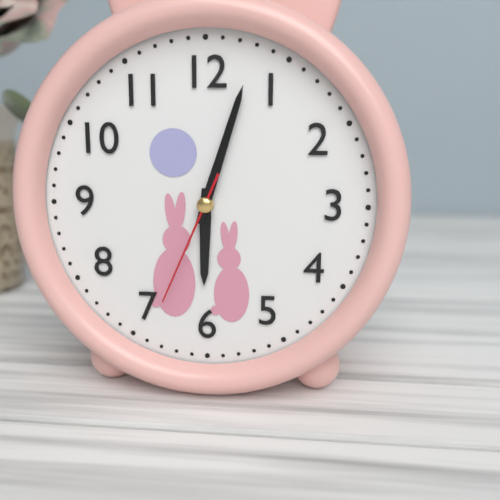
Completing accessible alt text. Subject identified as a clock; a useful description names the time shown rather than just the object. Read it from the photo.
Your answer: 6:03:34
